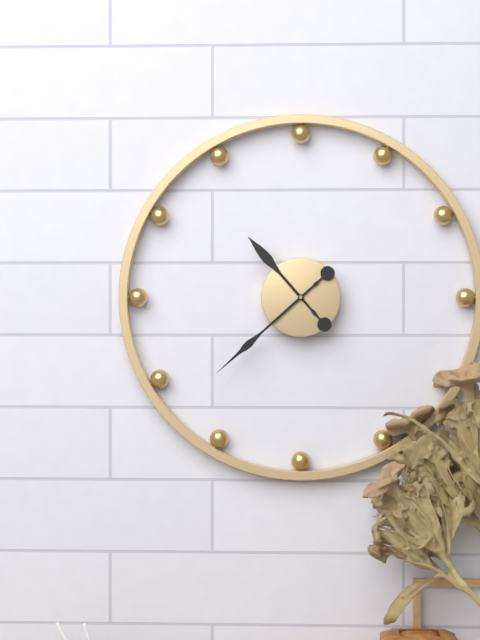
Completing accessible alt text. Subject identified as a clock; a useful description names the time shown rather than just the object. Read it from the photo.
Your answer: 10:38
